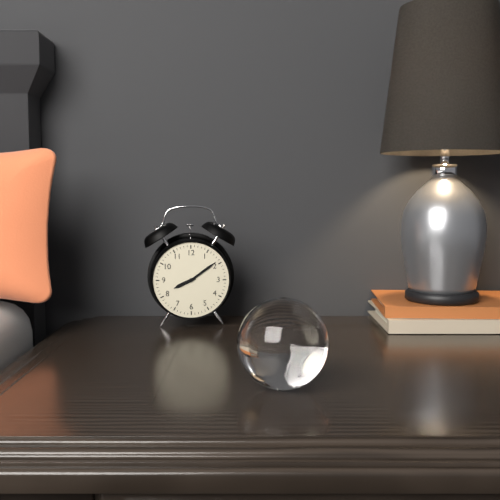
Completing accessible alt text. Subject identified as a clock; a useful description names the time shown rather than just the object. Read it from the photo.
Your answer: 8:09
